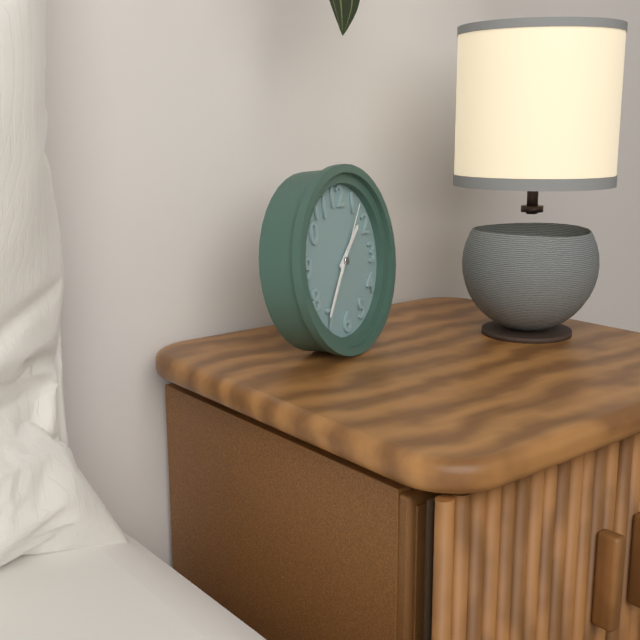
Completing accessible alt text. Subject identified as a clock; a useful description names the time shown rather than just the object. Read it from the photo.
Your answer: 1:36:06
